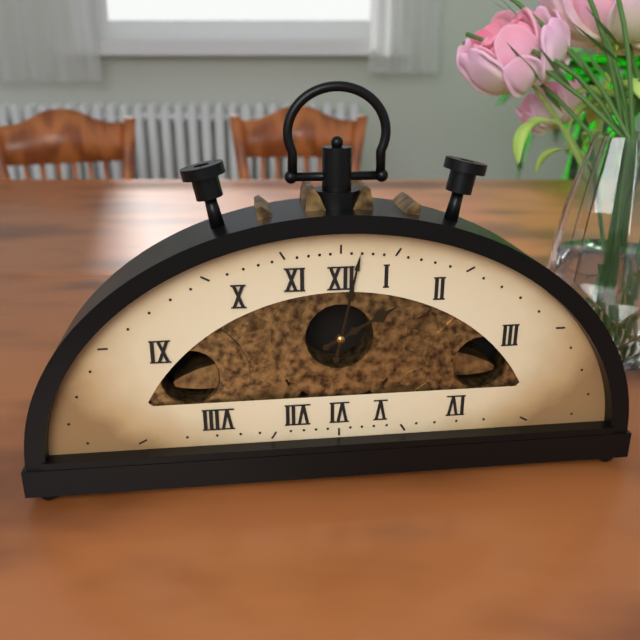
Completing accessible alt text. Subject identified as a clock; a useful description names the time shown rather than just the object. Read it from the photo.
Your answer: 2:02
